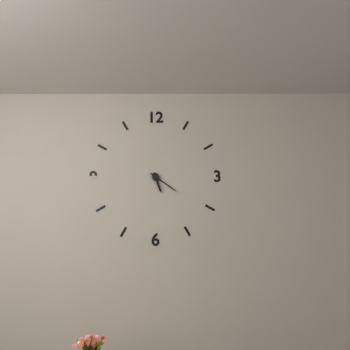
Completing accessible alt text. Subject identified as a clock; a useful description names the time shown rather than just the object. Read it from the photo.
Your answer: 5:21
